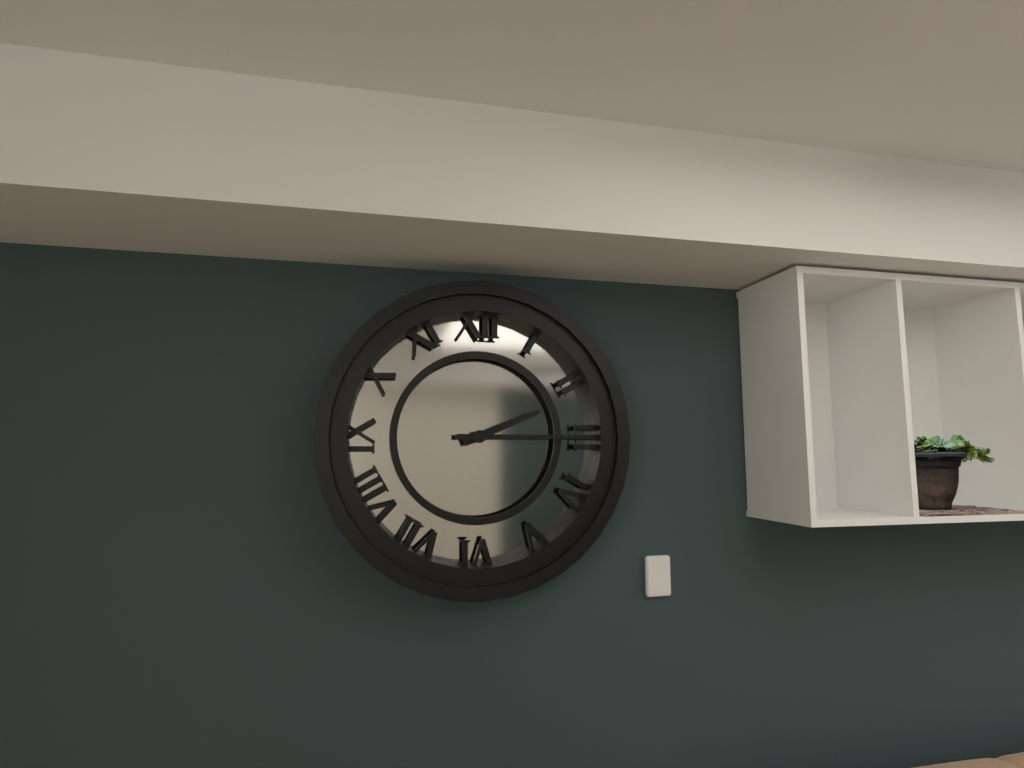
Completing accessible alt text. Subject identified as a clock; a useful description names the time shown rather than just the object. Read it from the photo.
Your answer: 2:15
